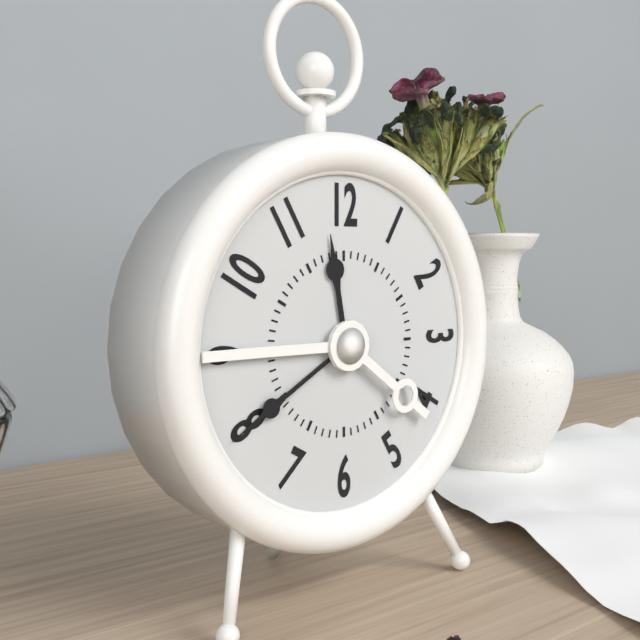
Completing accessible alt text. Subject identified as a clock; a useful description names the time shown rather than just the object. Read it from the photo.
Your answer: 11:40
